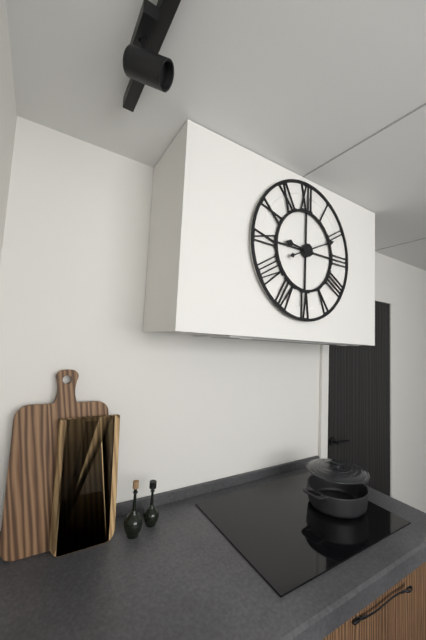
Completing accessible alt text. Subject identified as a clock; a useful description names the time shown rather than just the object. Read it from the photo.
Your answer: 9:11
